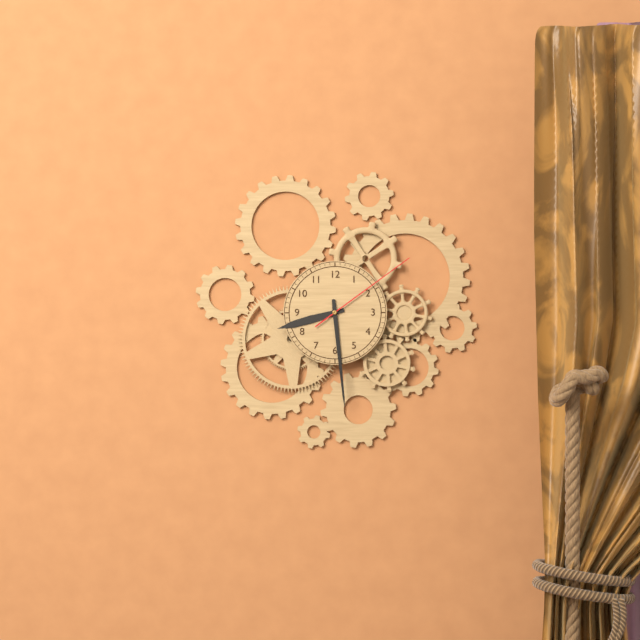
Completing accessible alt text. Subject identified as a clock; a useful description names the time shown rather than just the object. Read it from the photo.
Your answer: 8:29:09
